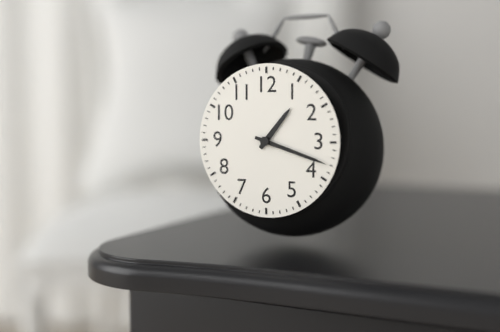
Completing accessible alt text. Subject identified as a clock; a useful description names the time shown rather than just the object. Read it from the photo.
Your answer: 1:18
